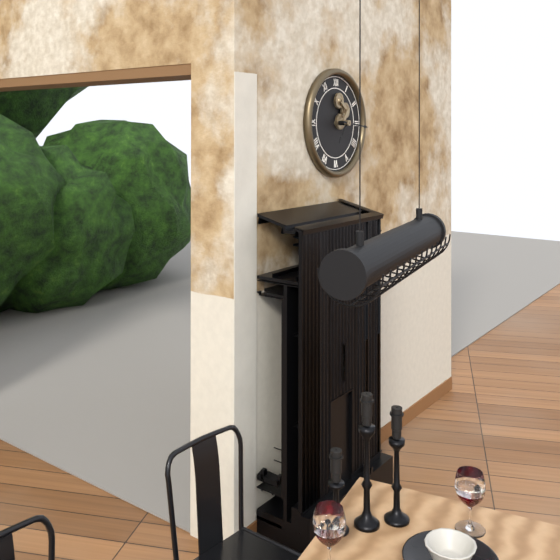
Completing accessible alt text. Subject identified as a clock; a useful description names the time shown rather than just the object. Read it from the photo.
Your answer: 7:16
